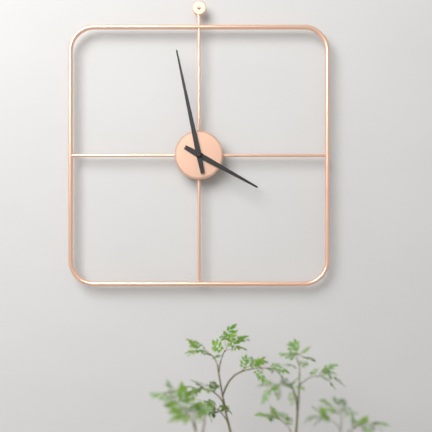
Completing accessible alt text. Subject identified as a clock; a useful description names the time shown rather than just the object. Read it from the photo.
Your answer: 3:58
